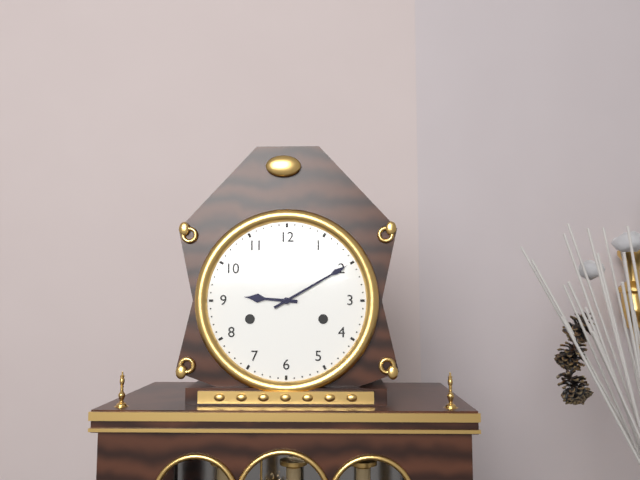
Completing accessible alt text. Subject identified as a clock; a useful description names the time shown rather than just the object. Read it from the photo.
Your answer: 9:10
